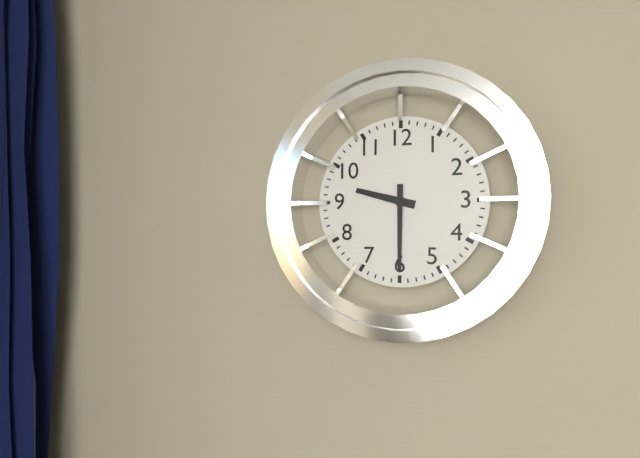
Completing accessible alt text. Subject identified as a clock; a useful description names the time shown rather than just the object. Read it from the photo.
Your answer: 9:30
